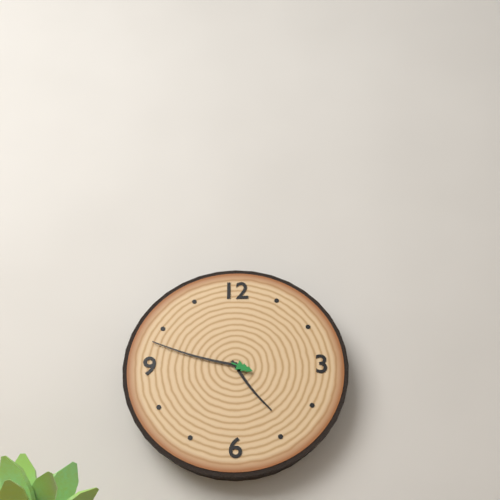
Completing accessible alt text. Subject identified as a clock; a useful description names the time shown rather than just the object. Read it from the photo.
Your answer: 4:48
